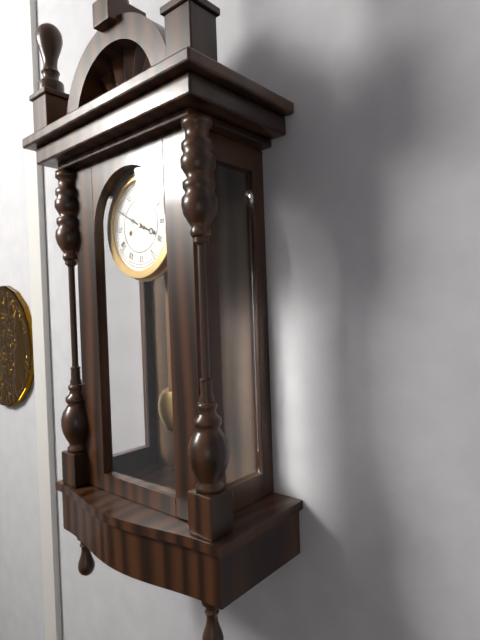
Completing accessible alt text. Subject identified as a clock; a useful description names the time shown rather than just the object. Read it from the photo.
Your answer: 3:50
